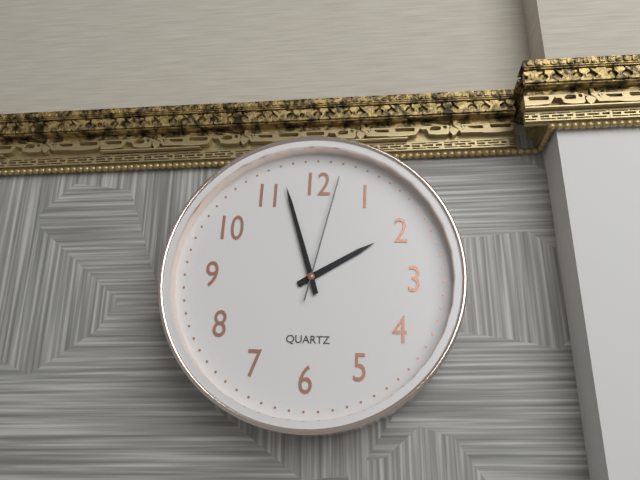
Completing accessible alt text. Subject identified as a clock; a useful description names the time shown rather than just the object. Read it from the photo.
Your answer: 1:57:02
